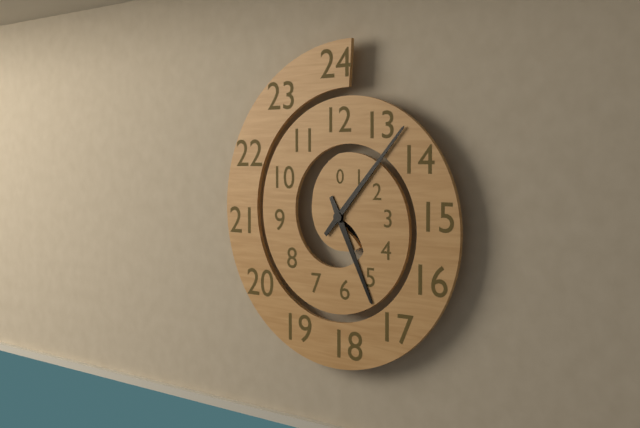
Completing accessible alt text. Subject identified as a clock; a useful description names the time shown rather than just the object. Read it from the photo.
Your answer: 5:07
